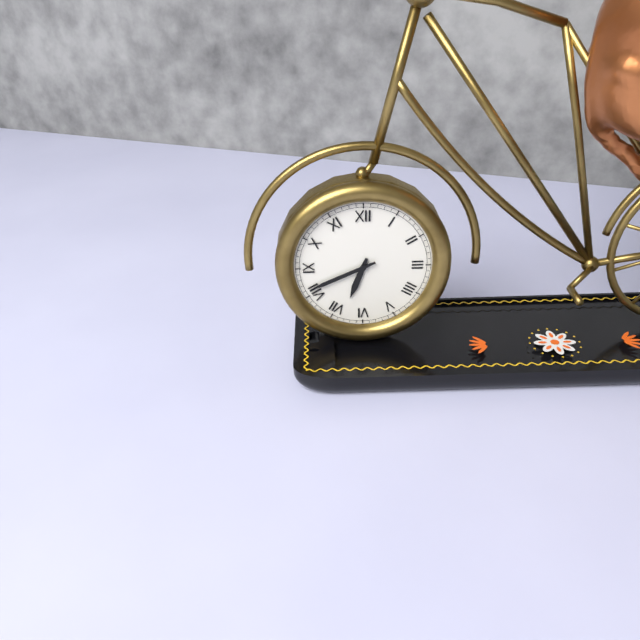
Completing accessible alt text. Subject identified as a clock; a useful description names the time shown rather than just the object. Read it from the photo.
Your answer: 6:41
